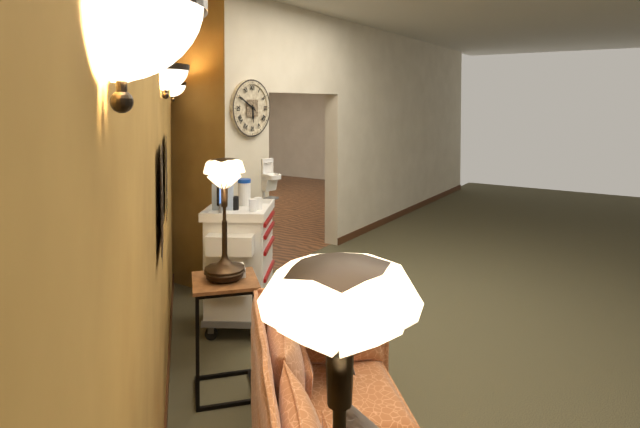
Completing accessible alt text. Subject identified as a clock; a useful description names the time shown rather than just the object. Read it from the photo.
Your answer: 5:50
